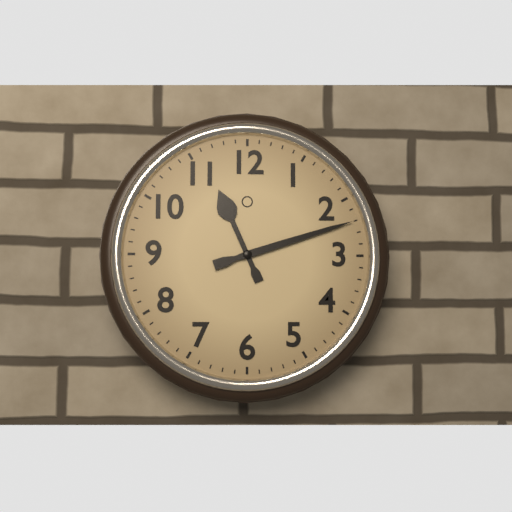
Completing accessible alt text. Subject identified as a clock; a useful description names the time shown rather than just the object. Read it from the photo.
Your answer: 11:12
